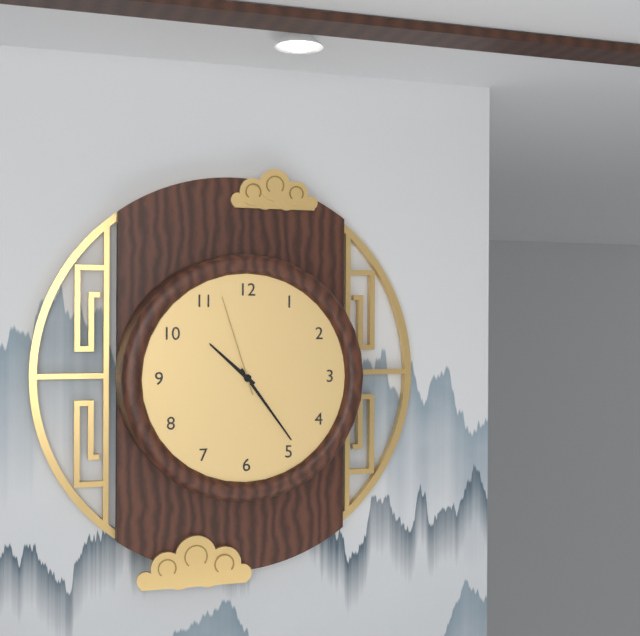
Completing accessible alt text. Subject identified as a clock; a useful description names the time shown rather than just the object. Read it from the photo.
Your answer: 10:24:57
